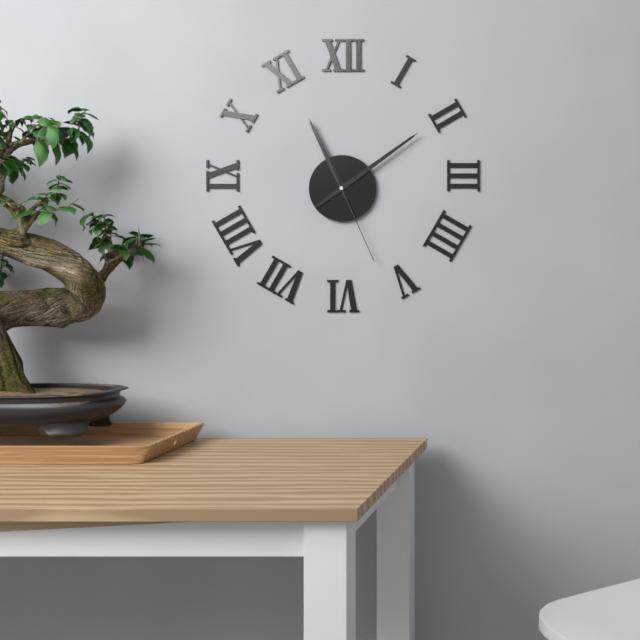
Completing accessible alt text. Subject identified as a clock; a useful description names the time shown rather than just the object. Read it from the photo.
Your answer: 11:09:26
